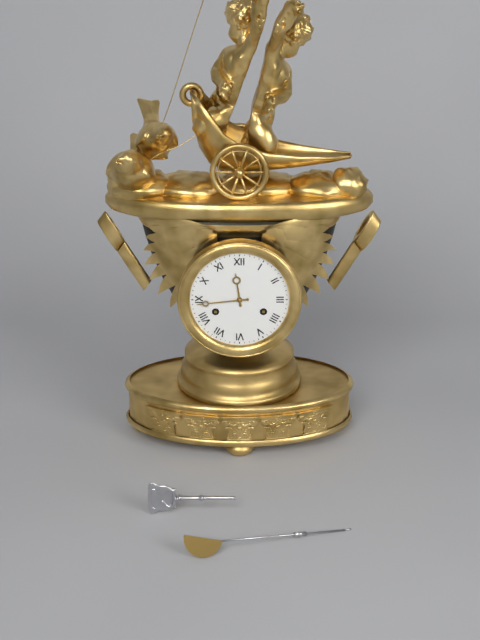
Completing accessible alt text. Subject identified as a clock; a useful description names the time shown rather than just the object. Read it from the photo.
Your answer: 11:44
